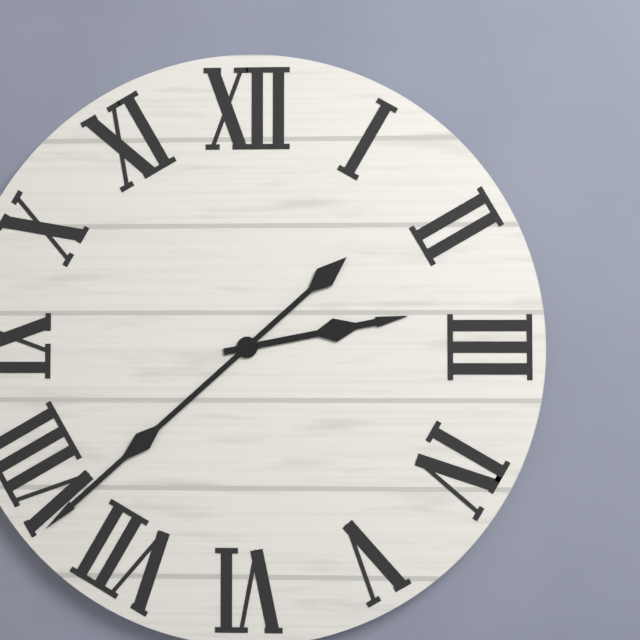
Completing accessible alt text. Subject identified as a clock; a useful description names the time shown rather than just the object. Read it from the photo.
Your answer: 2:38
